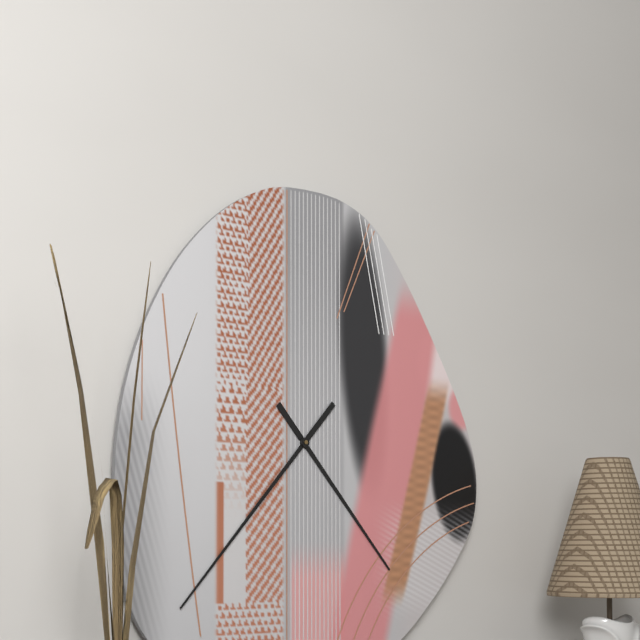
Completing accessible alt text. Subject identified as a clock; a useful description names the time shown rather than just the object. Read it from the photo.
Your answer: 4:37
